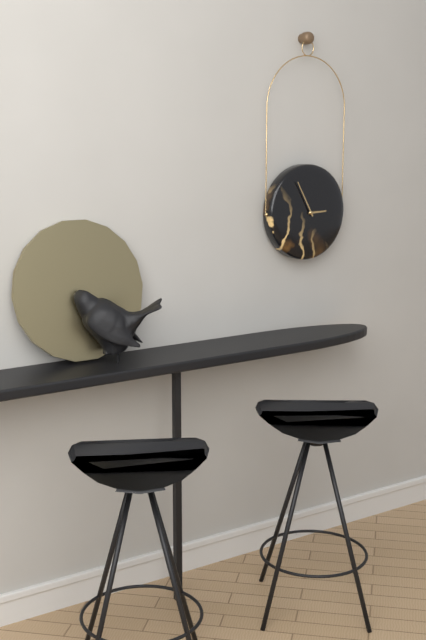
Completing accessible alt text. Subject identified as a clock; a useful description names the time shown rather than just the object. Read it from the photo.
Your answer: 2:55
